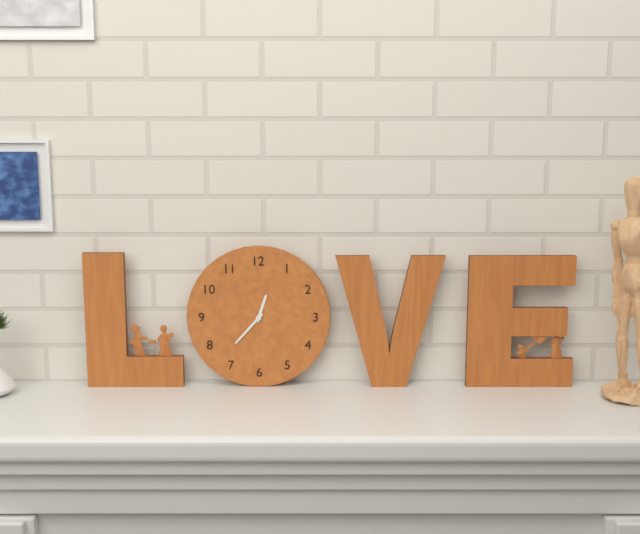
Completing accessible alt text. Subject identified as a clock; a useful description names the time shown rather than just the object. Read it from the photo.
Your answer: 12:37
